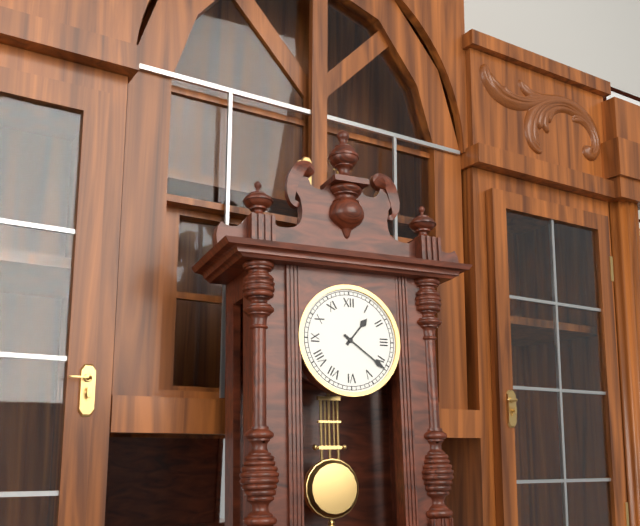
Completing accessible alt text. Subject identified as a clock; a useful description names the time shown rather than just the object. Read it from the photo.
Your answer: 1:21
